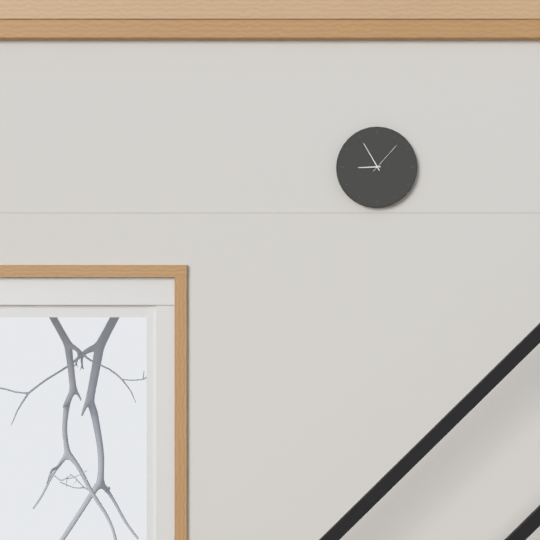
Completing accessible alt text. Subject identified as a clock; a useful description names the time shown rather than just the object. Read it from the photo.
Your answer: 8:55
